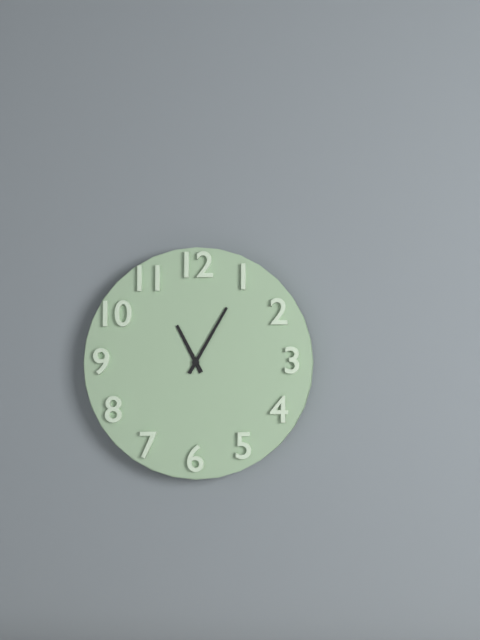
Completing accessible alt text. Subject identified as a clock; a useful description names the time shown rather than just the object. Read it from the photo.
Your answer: 11:05
